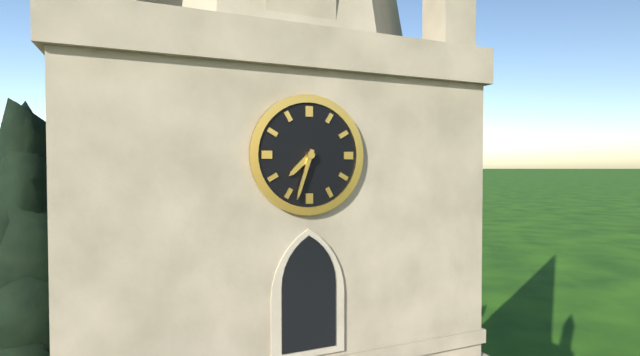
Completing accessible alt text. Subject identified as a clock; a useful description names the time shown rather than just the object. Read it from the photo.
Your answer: 7:33
